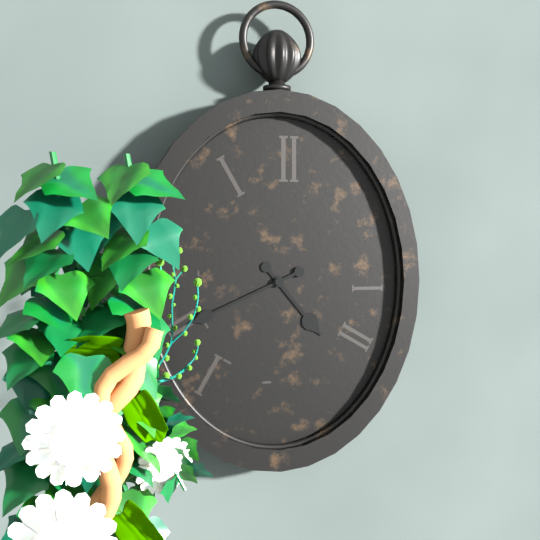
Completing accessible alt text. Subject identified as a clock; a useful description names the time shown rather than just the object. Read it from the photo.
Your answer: 4:41
